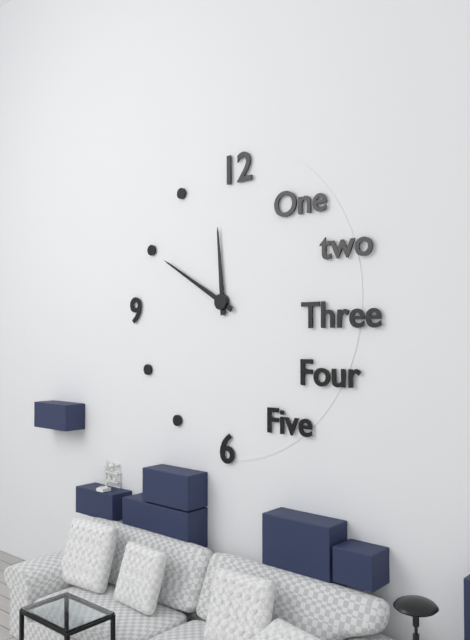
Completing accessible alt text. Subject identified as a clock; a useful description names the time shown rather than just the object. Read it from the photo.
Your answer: 11:50
